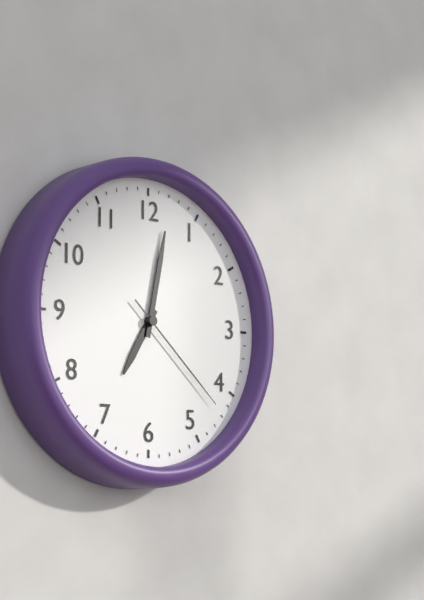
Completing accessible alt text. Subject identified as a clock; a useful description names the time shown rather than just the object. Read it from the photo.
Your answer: 7:02:22
